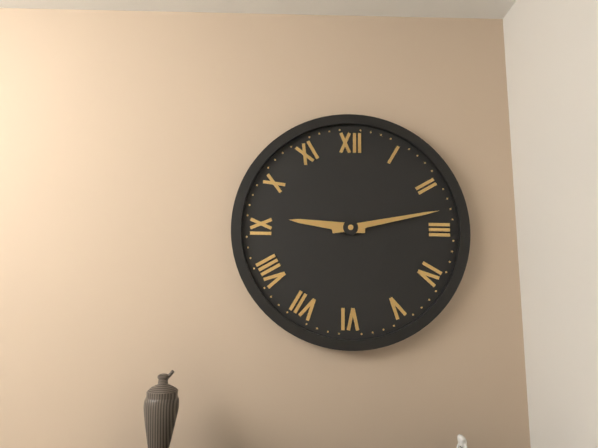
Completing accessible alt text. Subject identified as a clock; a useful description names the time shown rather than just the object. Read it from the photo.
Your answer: 9:13
